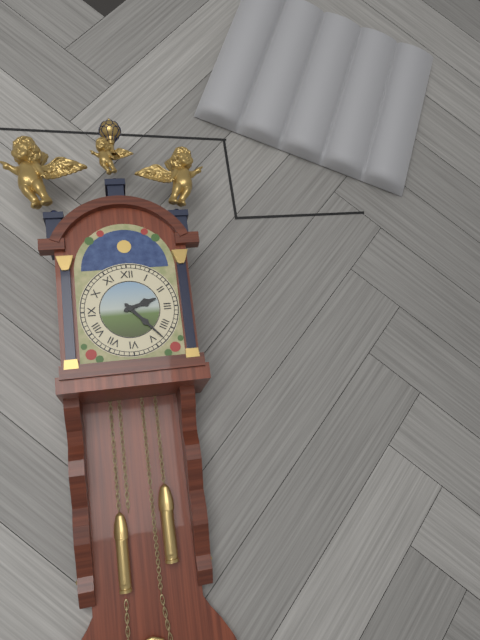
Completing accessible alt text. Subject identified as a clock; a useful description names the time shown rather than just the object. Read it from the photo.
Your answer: 2:23
